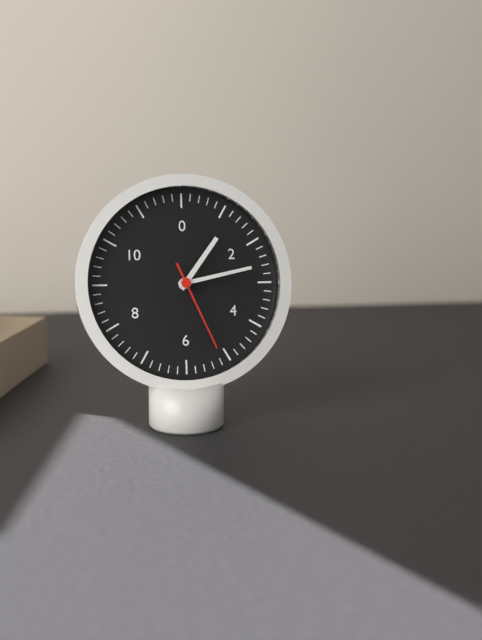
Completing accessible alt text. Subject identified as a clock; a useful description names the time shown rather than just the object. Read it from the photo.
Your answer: 1:13:26
